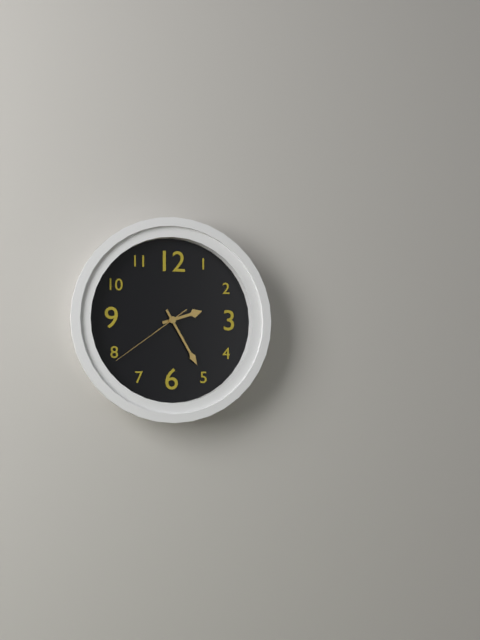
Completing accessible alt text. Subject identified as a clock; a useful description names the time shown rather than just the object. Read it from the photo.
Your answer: 2:25:39
